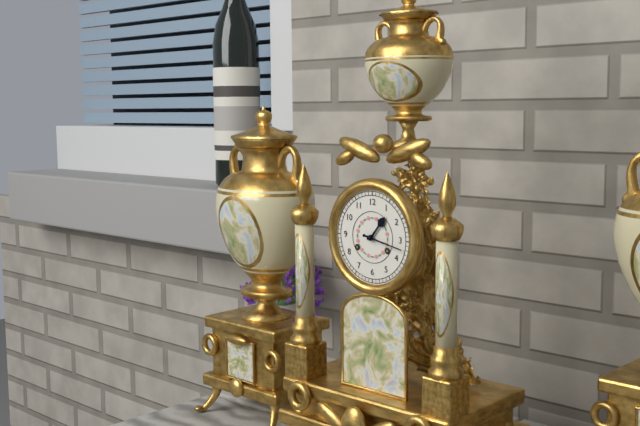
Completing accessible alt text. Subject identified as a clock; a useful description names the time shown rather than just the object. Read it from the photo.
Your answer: 1:17
